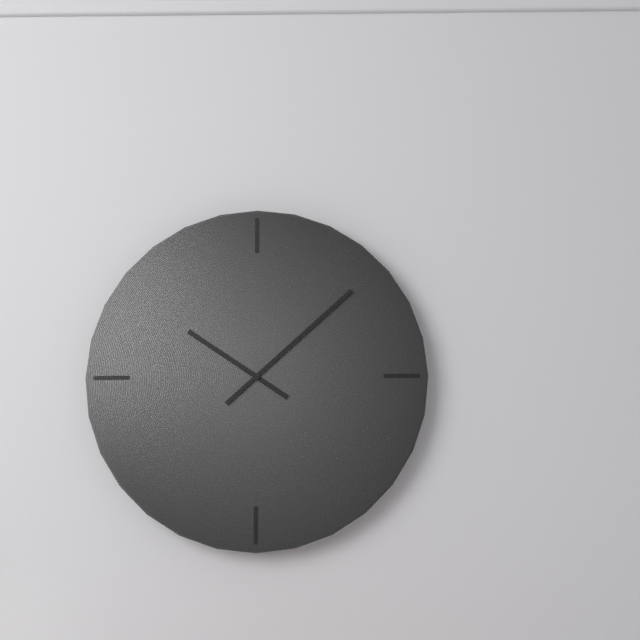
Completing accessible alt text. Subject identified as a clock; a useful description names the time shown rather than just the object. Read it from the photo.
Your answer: 10:08
